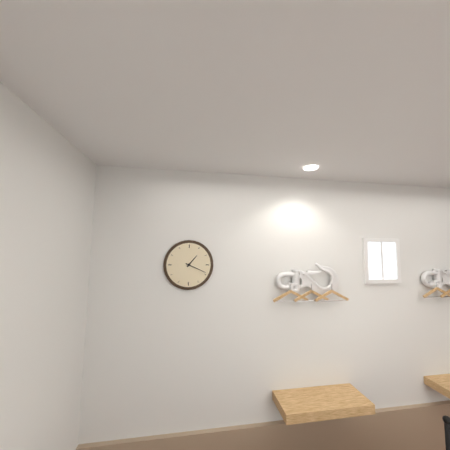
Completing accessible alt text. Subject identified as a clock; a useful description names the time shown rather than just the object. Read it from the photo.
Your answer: 1:19
